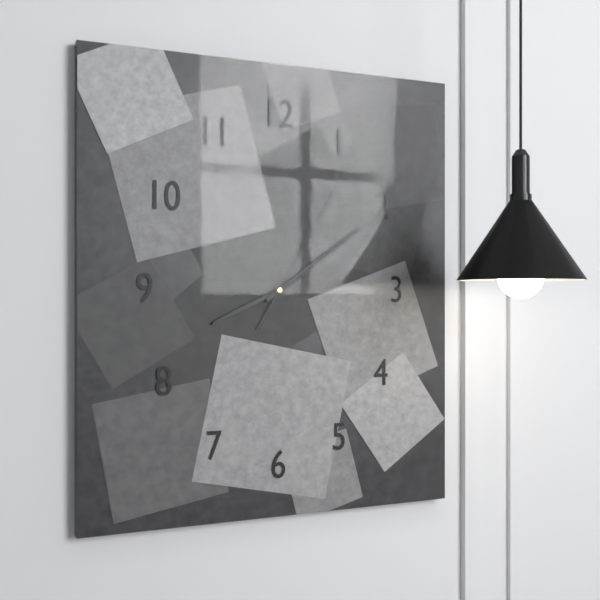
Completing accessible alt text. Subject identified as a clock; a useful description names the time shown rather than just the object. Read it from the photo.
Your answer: 8:09:05
